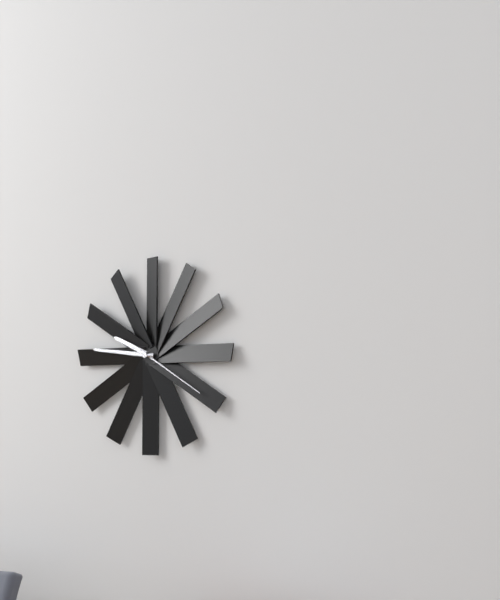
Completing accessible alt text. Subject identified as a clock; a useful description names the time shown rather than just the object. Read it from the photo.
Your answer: 9:46:20
